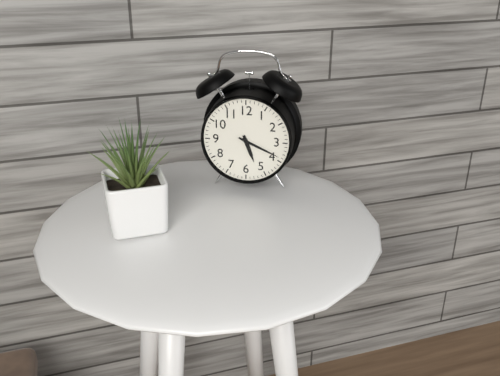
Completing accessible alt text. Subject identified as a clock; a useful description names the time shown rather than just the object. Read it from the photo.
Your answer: 5:19
